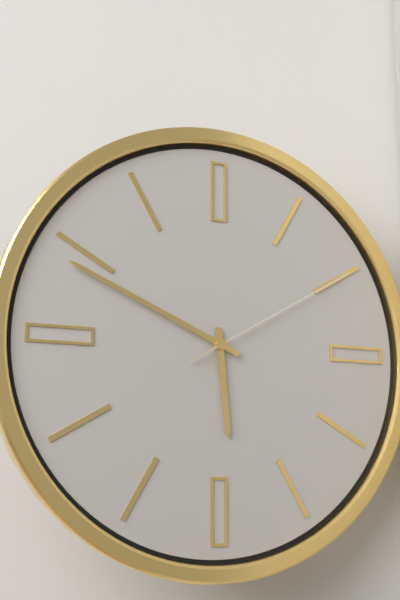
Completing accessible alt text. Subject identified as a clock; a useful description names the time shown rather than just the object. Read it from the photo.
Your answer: 5:49:10
